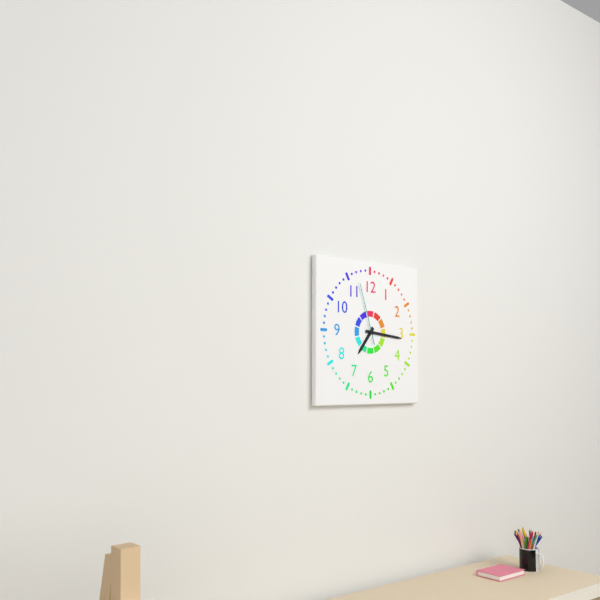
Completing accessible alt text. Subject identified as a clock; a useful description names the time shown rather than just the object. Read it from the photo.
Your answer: 7:16:57
